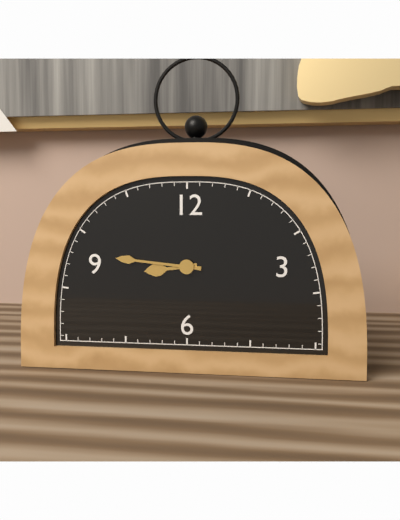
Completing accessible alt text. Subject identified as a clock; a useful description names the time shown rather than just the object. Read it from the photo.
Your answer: 8:46
